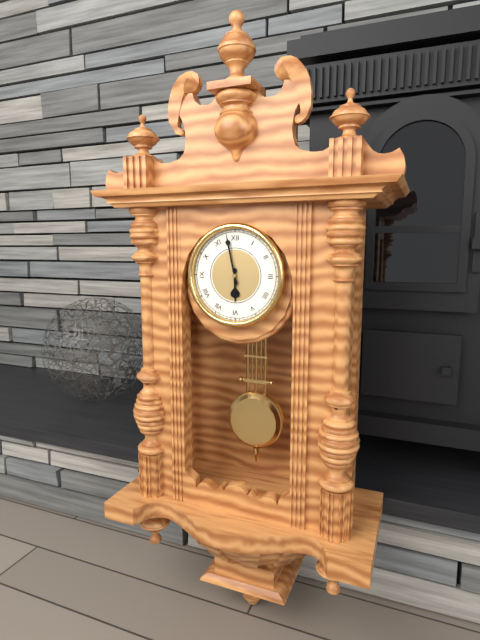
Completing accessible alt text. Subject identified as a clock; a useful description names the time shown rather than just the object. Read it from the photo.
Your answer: 5:58
